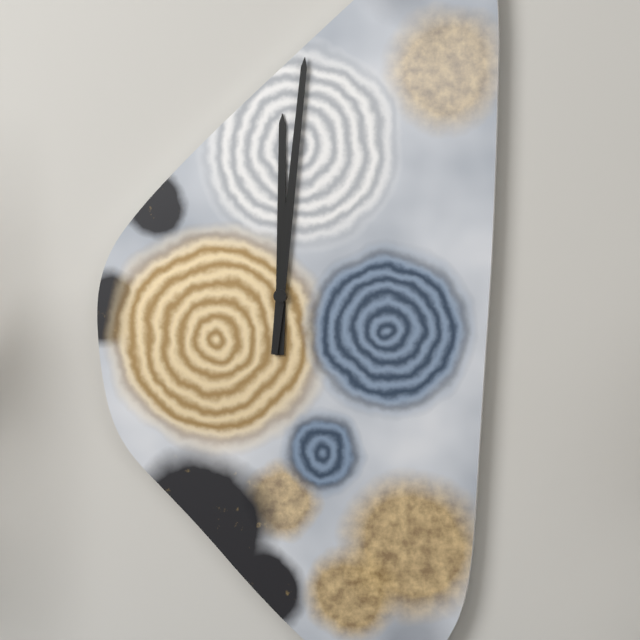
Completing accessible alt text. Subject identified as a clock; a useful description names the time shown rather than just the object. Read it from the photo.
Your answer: 12:01
